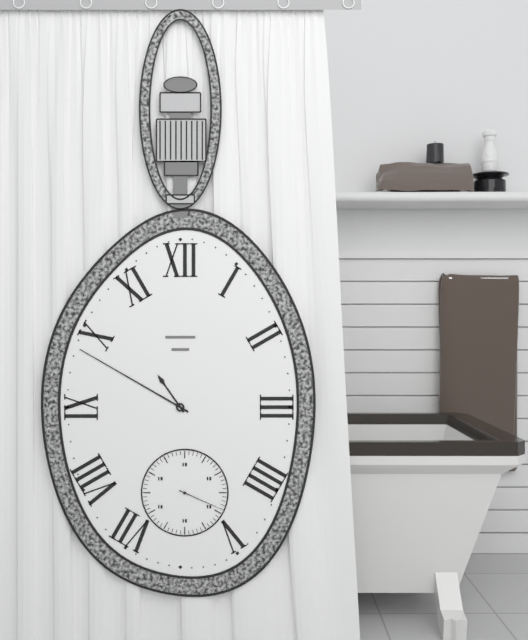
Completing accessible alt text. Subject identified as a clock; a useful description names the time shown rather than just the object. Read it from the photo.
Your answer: 10:50
